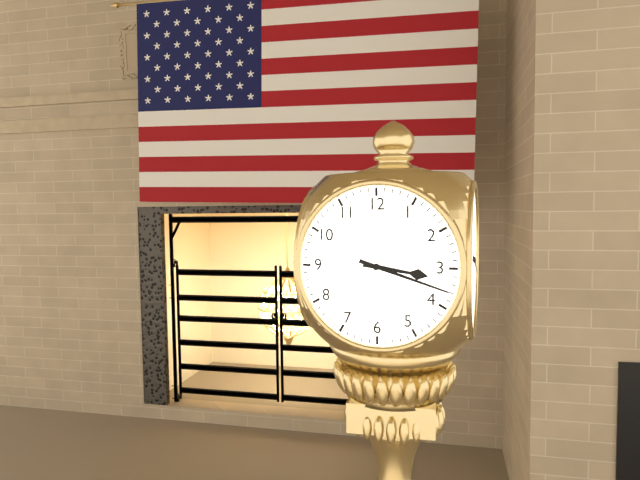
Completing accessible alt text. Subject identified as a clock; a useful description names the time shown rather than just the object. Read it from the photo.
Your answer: 3:18
